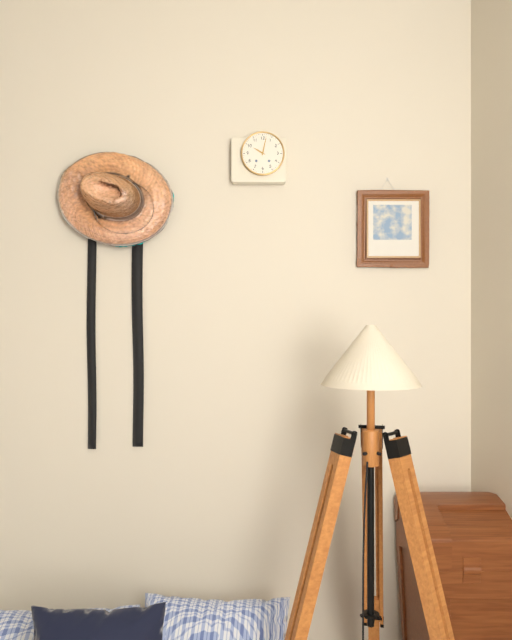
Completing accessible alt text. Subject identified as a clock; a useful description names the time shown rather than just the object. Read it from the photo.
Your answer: 10:02
